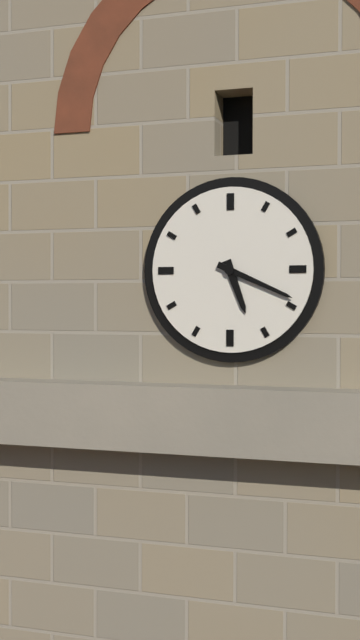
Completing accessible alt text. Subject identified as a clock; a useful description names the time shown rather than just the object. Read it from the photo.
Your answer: 5:19
